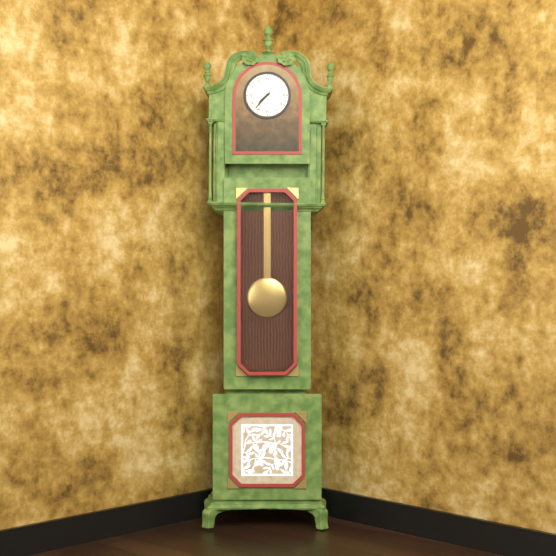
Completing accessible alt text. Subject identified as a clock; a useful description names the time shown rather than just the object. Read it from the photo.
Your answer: 7:37
